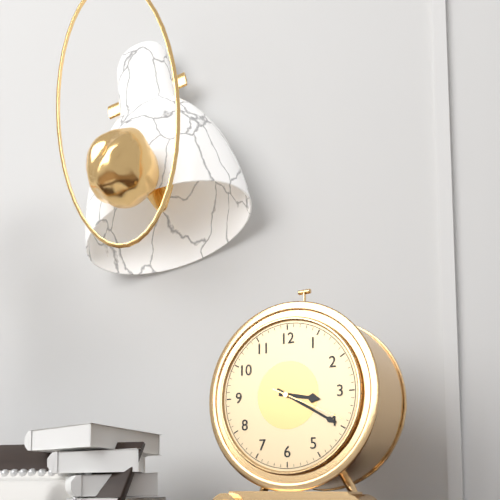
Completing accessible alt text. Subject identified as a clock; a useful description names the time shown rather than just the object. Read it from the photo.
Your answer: 3:20:19
